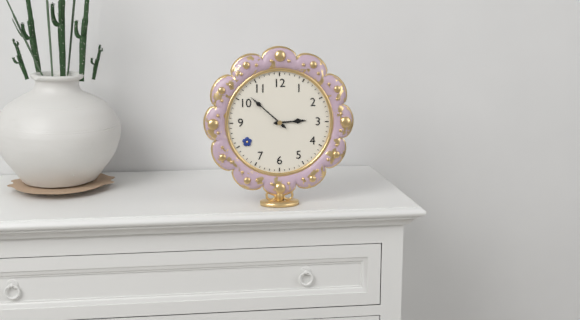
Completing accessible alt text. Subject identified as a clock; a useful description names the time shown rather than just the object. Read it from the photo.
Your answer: 2:52
